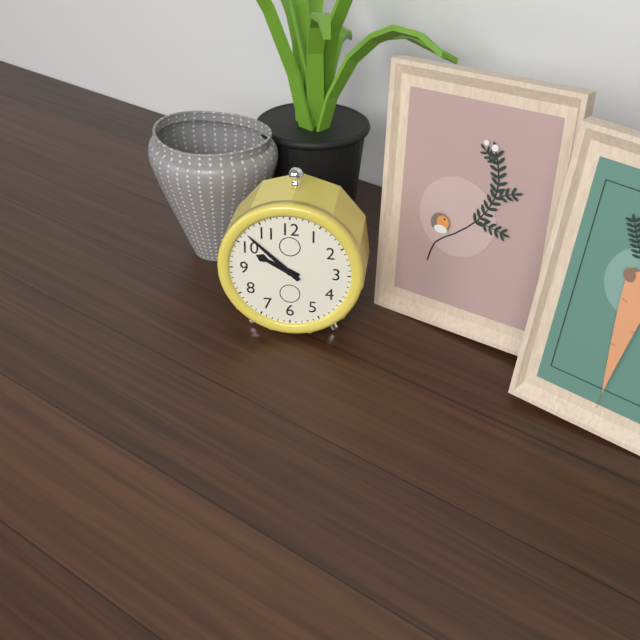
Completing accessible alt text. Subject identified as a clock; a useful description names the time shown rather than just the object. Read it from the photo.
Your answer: 9:52
